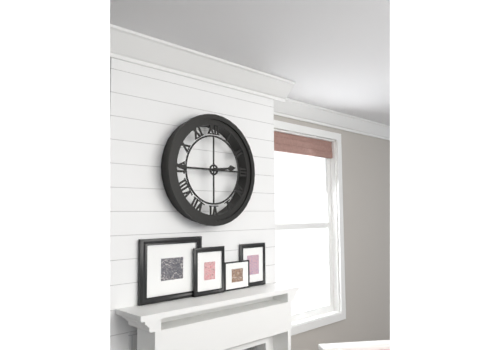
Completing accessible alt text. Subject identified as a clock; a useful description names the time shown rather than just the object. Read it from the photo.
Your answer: 2:45
